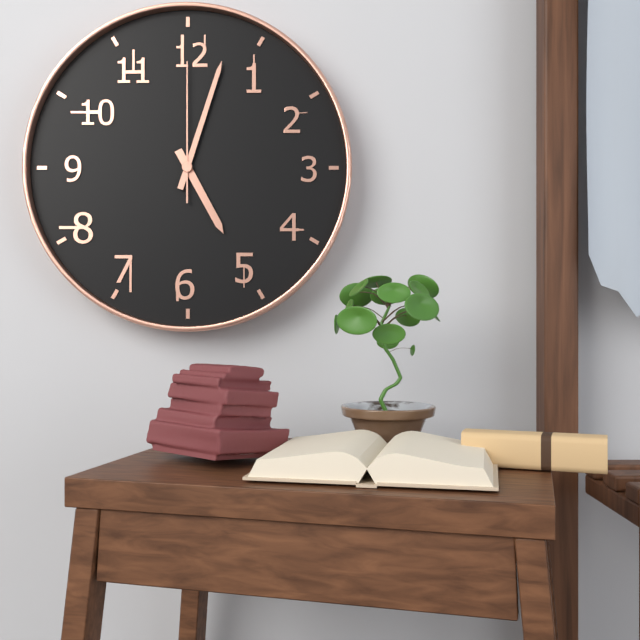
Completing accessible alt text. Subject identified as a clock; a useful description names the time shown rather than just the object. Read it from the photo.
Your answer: 5:03:00
